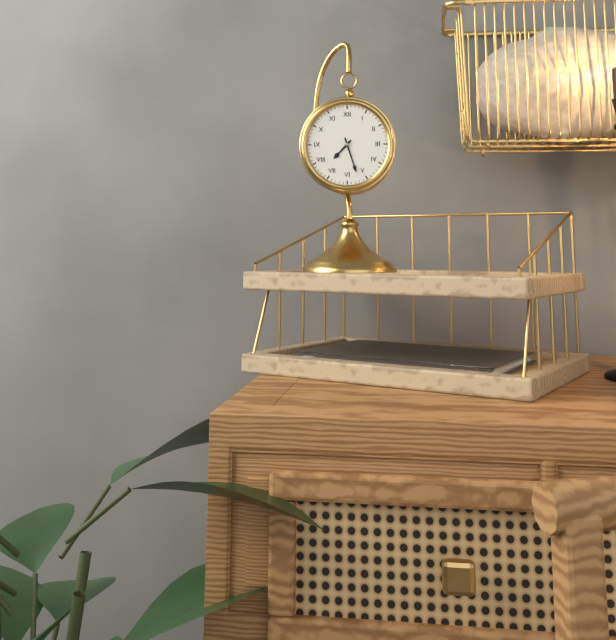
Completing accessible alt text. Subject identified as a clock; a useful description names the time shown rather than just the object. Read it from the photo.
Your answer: 7:27
